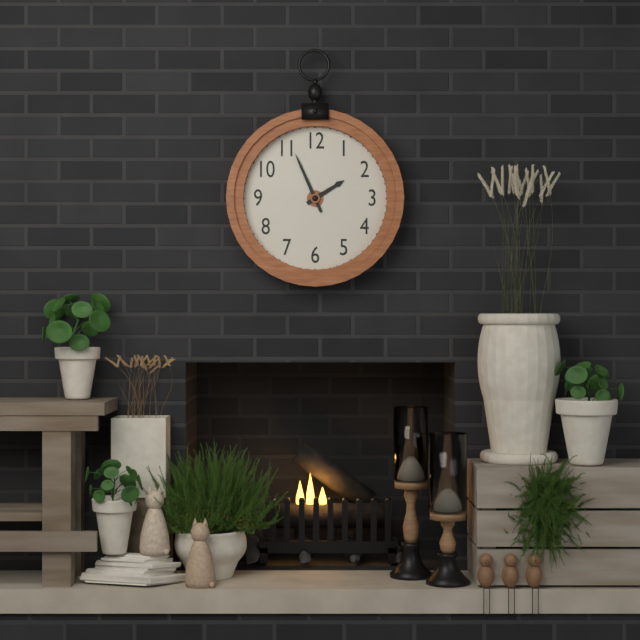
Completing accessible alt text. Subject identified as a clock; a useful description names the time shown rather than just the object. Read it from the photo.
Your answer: 1:56
